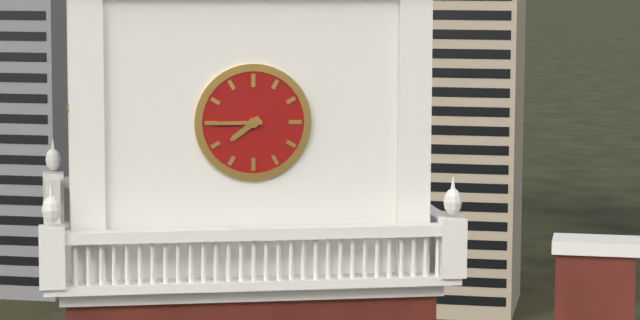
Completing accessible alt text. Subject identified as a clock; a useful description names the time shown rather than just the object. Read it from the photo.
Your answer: 7:45
